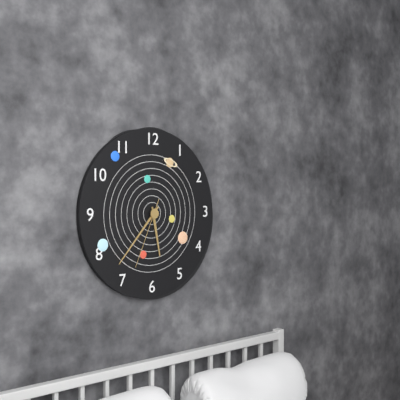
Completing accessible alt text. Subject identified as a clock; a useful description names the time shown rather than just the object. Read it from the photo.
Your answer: 5:37:34
